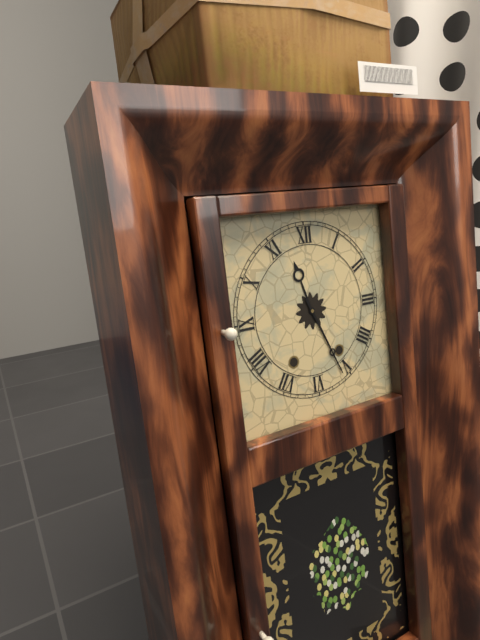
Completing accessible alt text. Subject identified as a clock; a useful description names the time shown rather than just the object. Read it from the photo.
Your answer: 11:26
